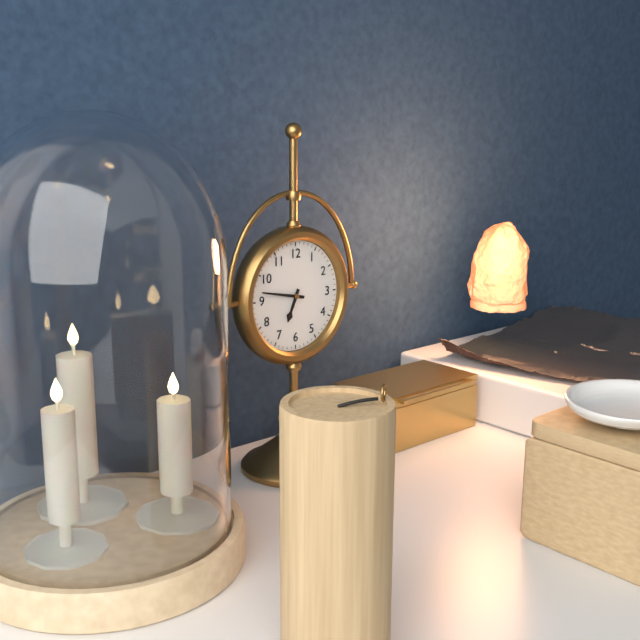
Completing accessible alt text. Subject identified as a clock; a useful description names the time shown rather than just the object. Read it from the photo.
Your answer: 6:47
